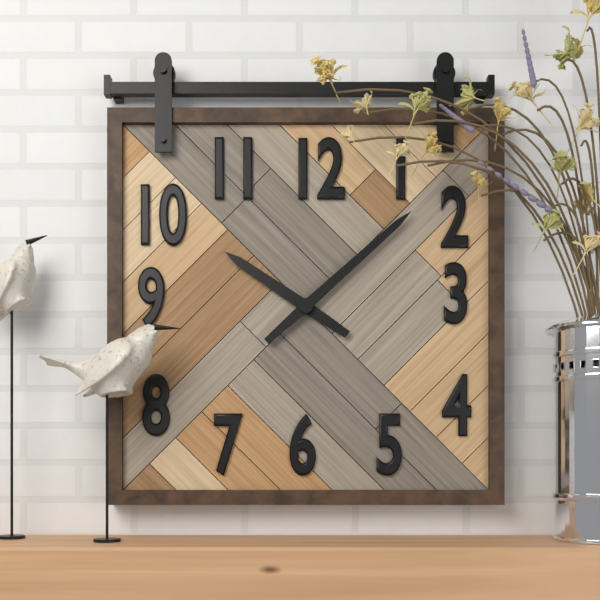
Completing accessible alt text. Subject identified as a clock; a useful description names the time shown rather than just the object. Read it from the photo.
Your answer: 10:08
